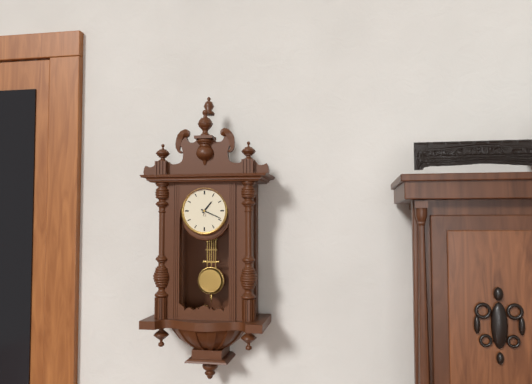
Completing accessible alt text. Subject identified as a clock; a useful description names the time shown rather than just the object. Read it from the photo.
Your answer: 1:19
